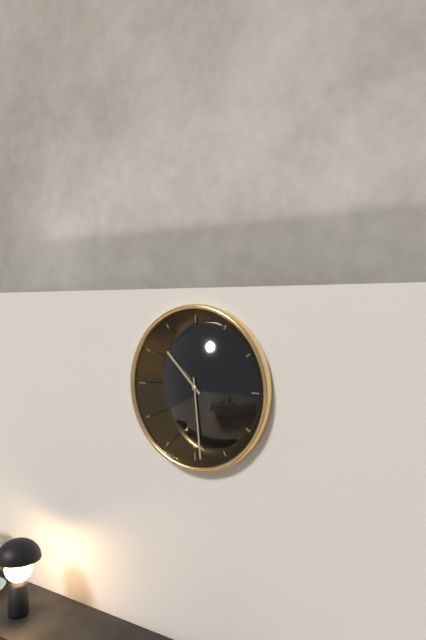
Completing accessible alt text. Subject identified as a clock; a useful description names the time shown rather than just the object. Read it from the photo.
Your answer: 10:29
